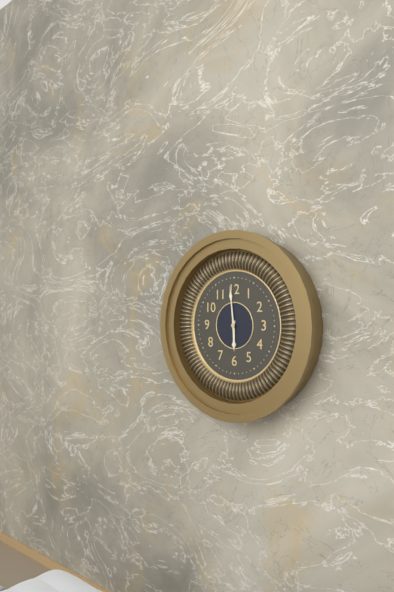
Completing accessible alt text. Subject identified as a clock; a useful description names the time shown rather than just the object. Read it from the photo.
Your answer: 5:59
